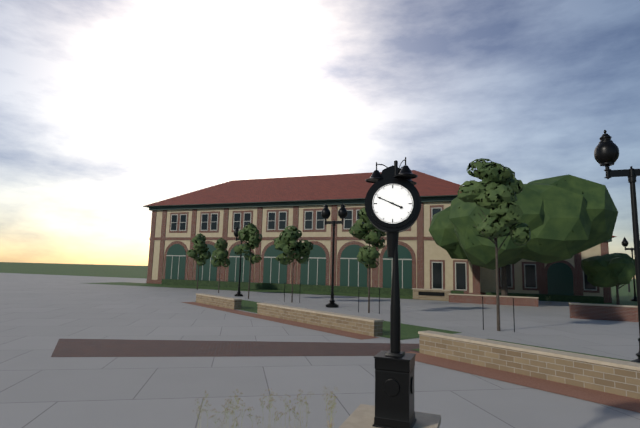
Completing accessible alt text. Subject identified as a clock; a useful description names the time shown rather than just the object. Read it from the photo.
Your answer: 3:49
